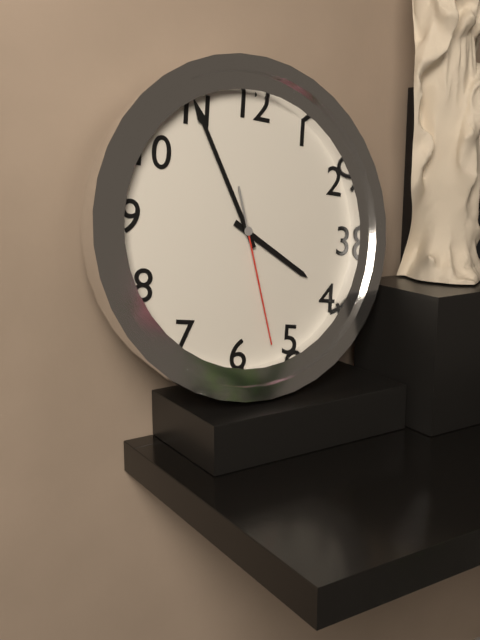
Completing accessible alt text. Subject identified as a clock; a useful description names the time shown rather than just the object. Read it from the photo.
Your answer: 3:55:27
